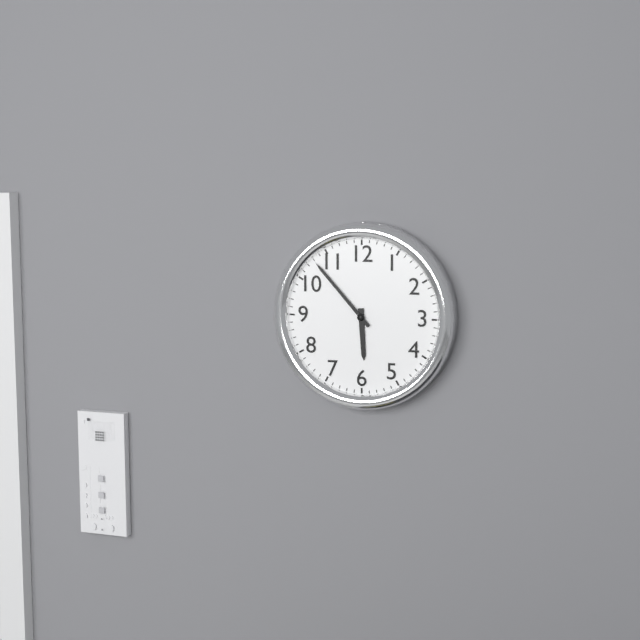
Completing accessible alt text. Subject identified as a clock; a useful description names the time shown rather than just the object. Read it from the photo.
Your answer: 5:53
